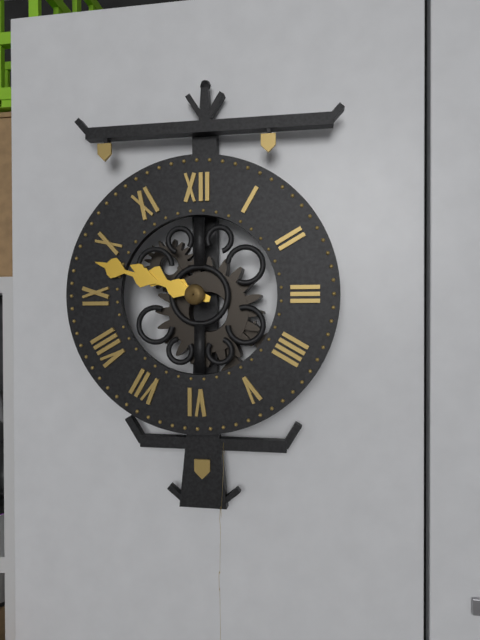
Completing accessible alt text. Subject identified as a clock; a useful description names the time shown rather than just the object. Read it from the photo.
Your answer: 9:48
